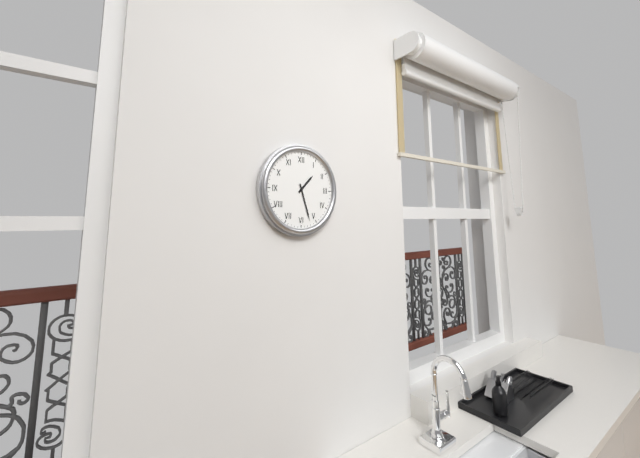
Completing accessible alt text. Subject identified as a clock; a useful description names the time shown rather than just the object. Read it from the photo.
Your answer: 1:27
